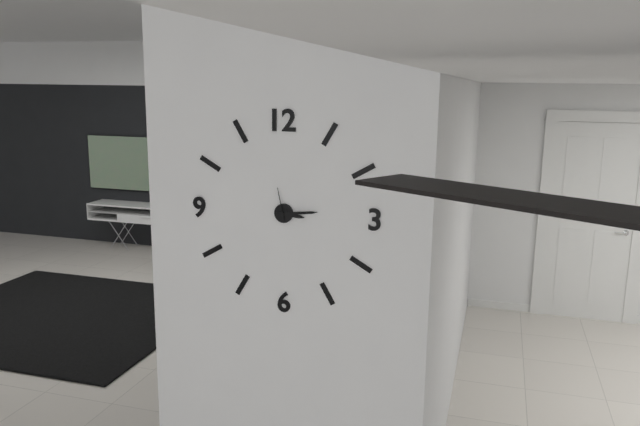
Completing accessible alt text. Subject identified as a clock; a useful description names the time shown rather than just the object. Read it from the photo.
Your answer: 3:14
